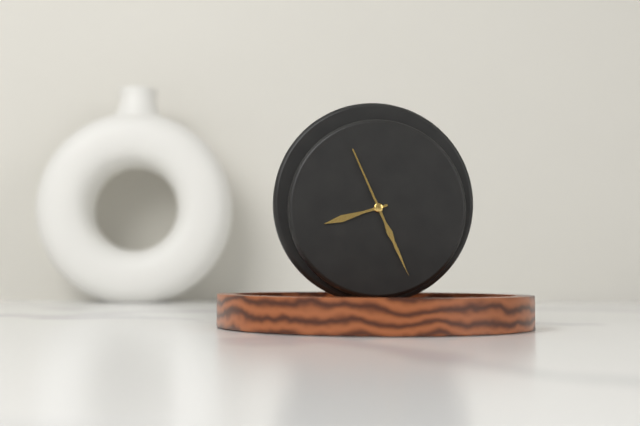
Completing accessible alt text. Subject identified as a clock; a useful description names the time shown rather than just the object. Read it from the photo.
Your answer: 8:26
